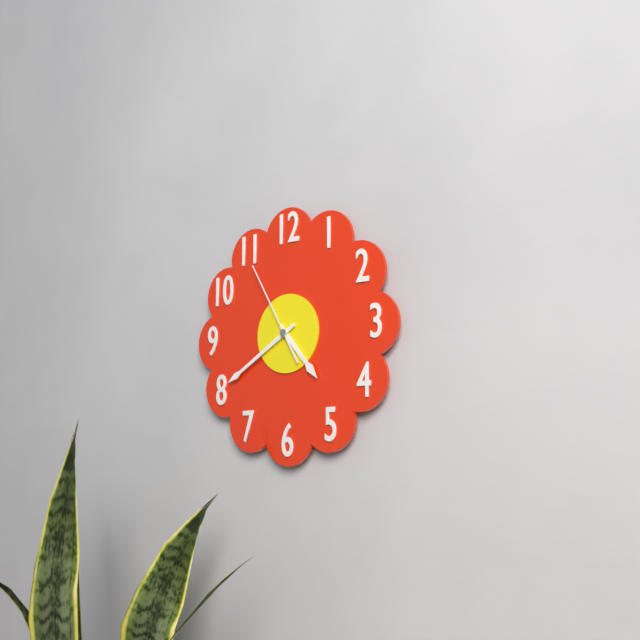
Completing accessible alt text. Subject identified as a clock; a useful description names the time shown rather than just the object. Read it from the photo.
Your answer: 4:40:55
